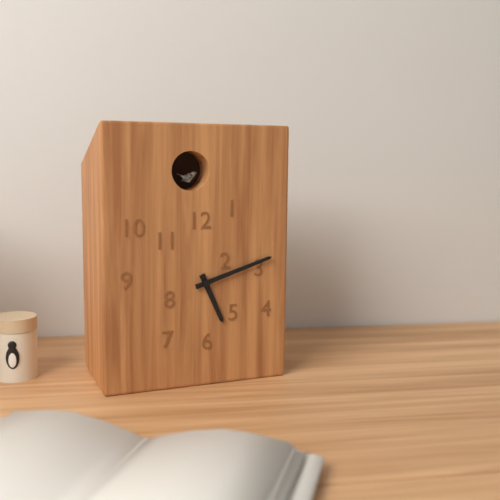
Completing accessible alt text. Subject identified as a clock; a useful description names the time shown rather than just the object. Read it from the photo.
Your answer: 5:12
